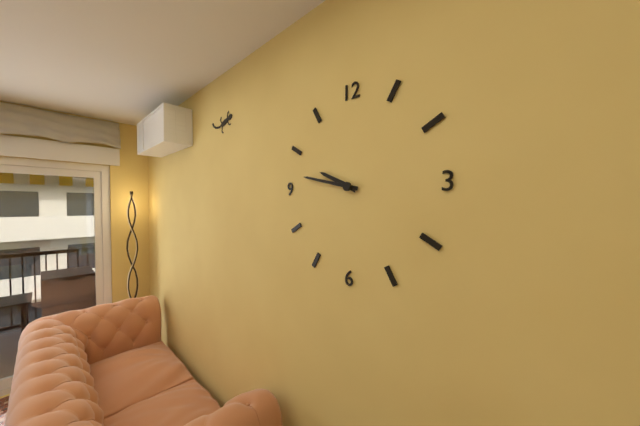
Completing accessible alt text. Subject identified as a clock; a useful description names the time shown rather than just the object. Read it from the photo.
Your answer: 9:47
